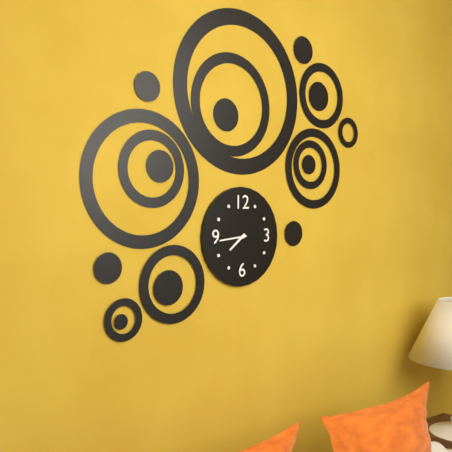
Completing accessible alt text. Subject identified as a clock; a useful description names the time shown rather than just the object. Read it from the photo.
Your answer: 7:44
